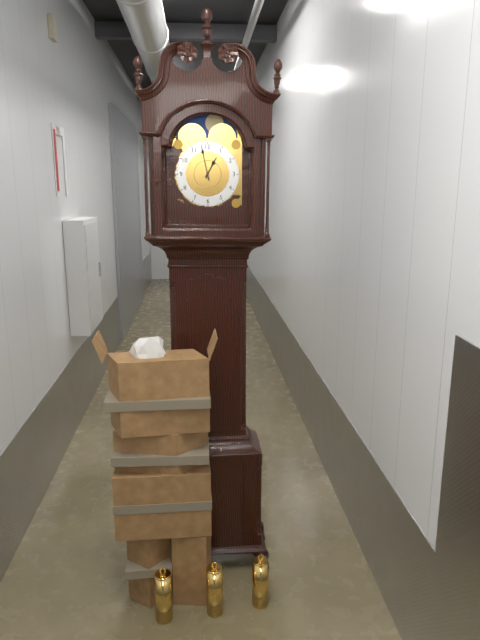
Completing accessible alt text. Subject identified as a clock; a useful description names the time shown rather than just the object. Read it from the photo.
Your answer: 12:58
